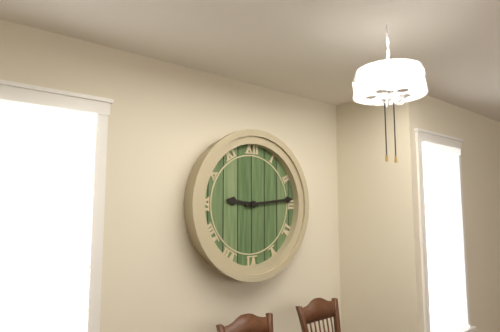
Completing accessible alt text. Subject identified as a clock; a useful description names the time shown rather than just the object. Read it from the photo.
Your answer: 9:14
